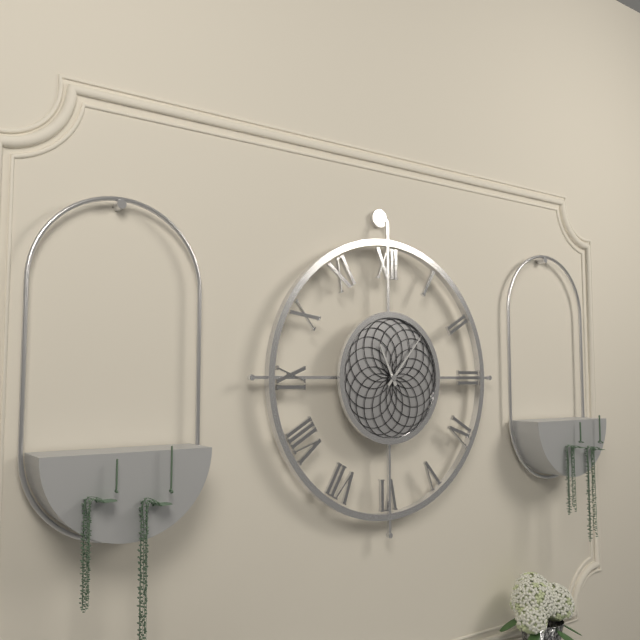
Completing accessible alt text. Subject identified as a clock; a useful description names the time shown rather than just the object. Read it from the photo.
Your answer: 11:07
